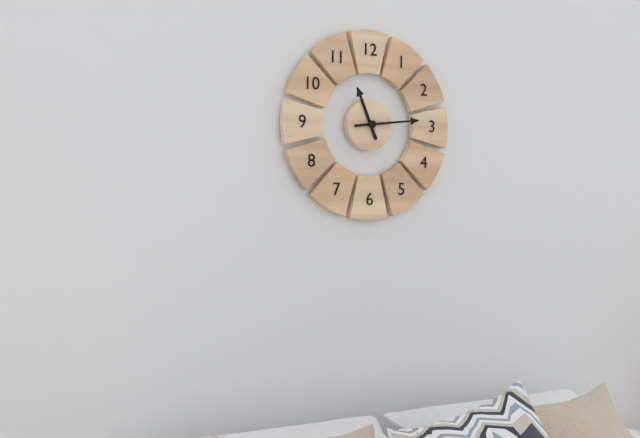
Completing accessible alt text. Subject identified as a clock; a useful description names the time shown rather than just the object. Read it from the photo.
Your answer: 11:14
